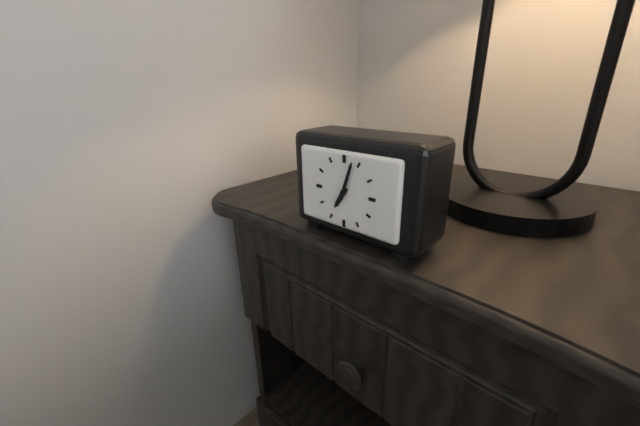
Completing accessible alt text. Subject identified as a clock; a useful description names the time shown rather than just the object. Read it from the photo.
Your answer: 7:03
